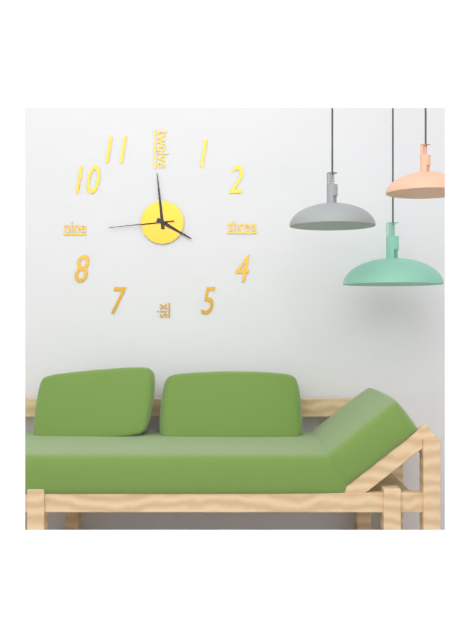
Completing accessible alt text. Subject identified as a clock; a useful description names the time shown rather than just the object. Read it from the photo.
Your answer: 3:59:44
